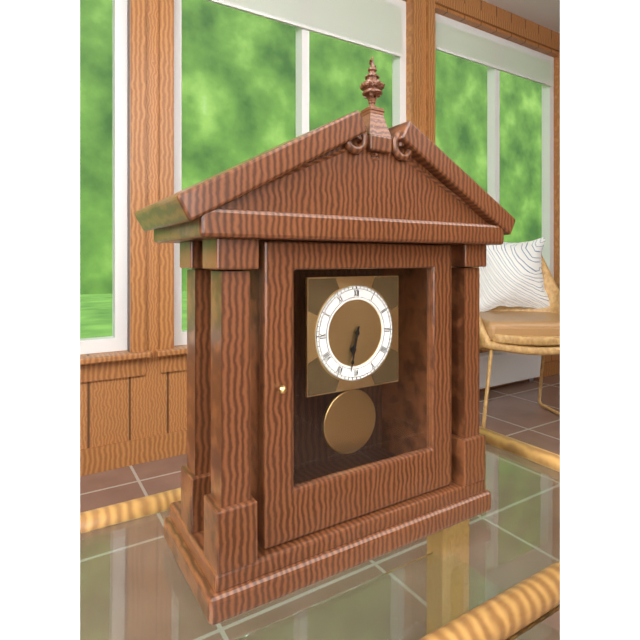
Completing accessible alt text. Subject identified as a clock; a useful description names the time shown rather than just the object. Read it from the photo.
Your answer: 6:32
